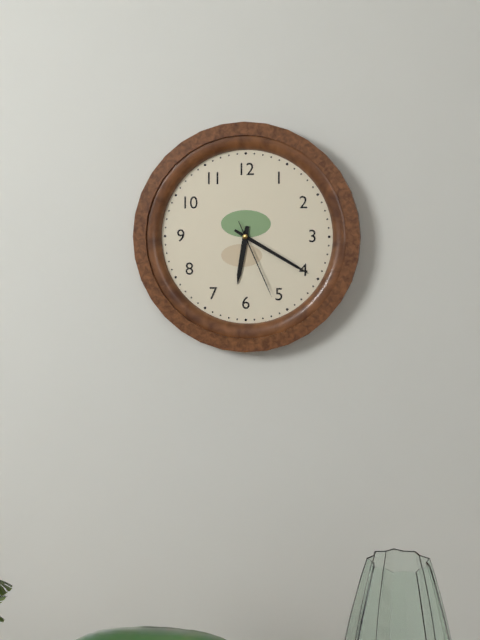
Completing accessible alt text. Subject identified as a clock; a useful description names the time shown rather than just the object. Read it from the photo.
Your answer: 6:20:26
